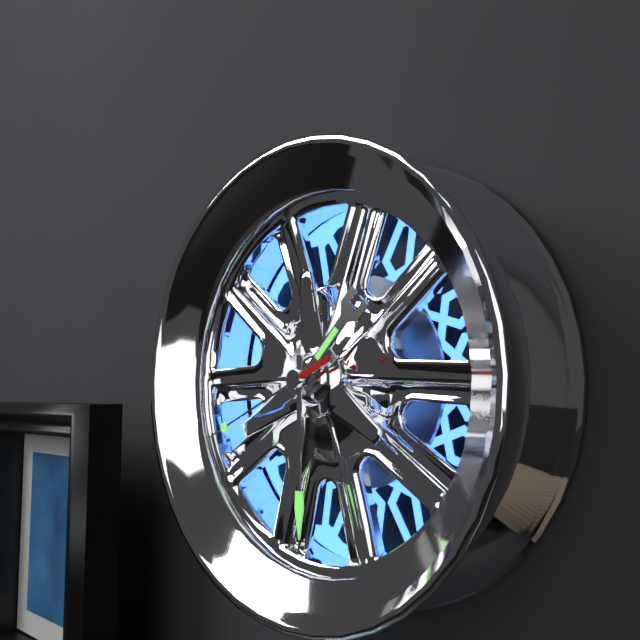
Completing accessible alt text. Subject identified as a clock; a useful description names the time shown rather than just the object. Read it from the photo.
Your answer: 1:30:41
